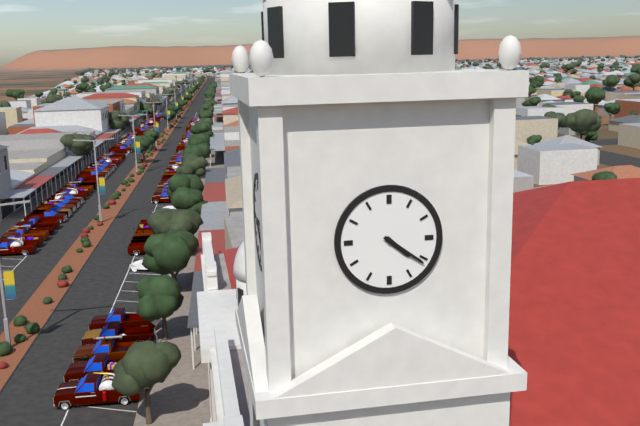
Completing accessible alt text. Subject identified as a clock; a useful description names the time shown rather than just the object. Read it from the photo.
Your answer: 4:21
